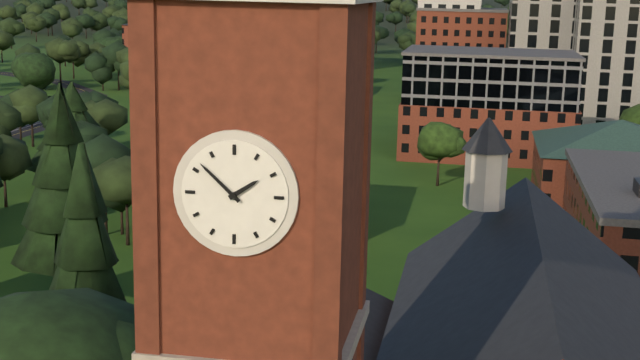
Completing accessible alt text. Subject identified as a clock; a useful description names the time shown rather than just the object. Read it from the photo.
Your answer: 1:52
